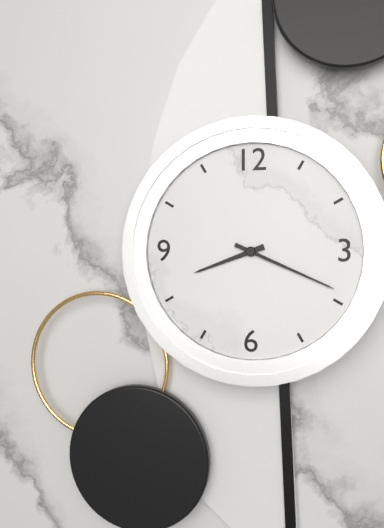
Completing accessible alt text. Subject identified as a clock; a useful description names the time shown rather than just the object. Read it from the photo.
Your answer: 8:19
